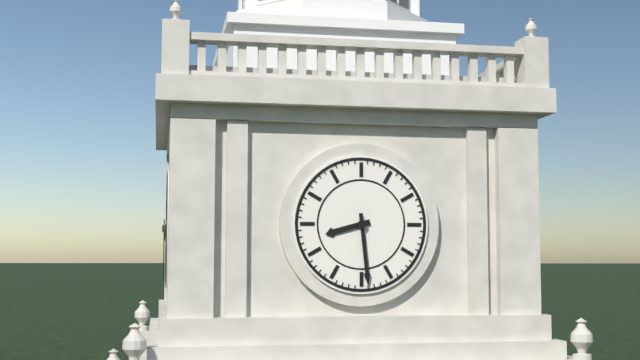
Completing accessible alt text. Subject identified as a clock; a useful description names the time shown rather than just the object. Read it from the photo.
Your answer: 8:29
